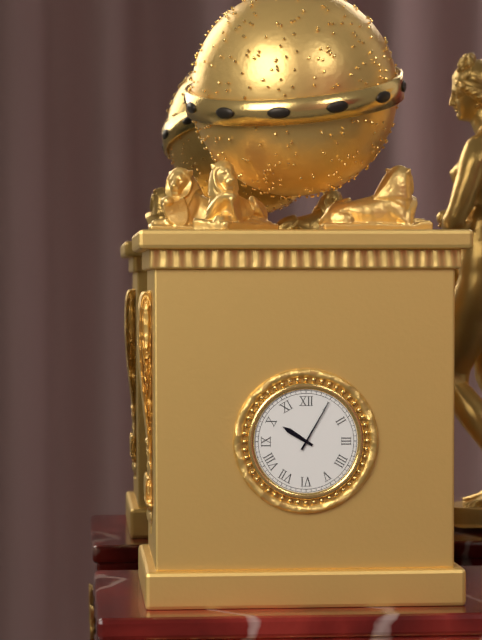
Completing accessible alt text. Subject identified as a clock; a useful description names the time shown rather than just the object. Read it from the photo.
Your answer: 10:05
